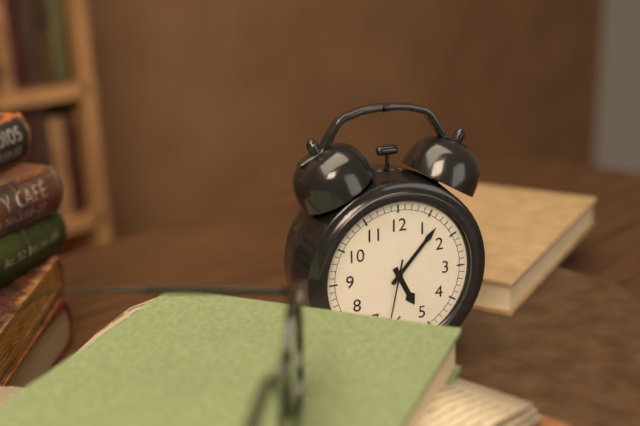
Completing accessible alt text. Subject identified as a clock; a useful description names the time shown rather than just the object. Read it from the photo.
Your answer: 5:07:32
